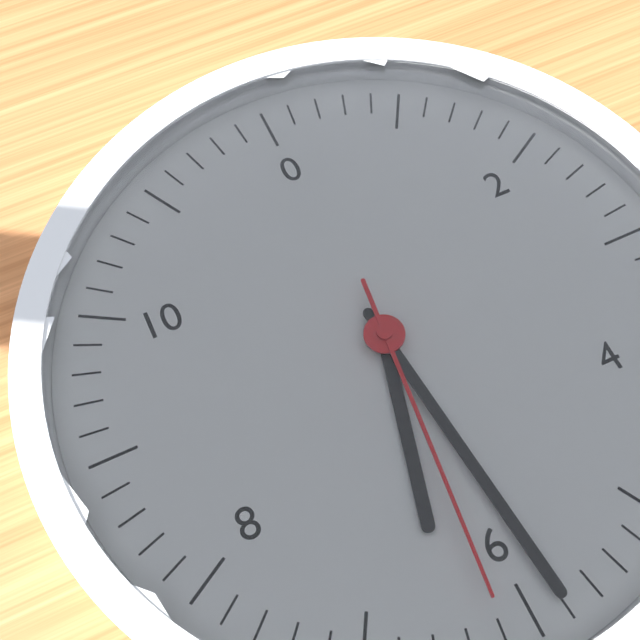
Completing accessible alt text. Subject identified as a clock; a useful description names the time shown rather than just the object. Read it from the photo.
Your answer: 6:29:31
